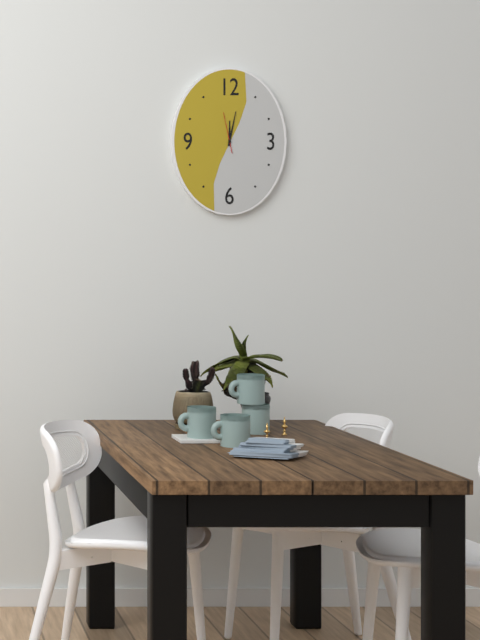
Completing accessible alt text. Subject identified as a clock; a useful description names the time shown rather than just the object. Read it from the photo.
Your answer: 12:02
